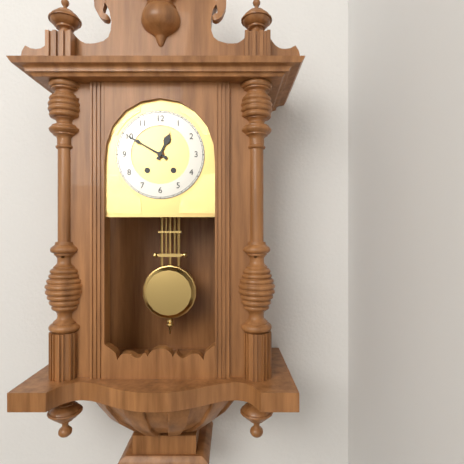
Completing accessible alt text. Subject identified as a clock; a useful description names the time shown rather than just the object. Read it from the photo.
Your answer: 12:50
